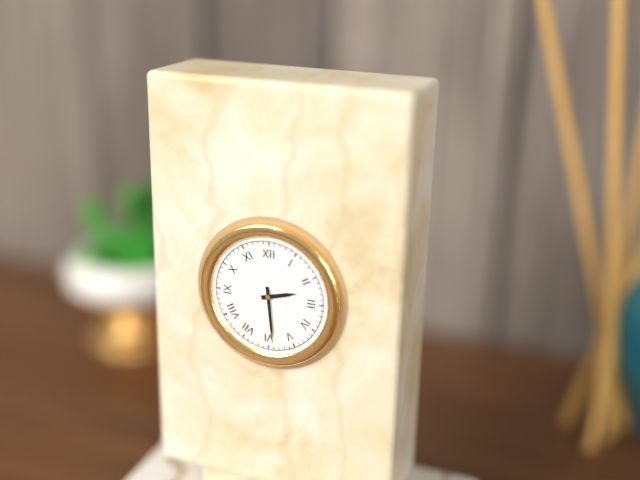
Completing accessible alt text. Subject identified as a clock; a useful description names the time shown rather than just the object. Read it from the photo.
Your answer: 2:29
